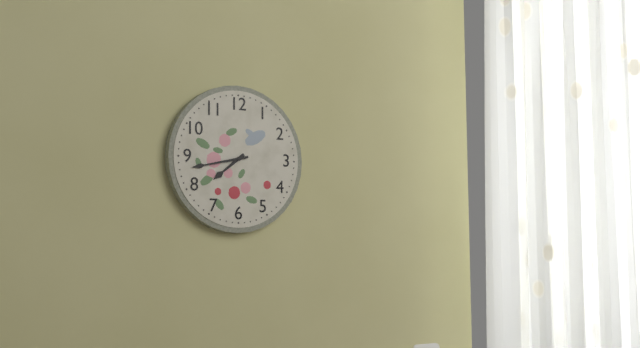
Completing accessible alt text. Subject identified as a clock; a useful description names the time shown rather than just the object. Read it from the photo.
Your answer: 7:43
